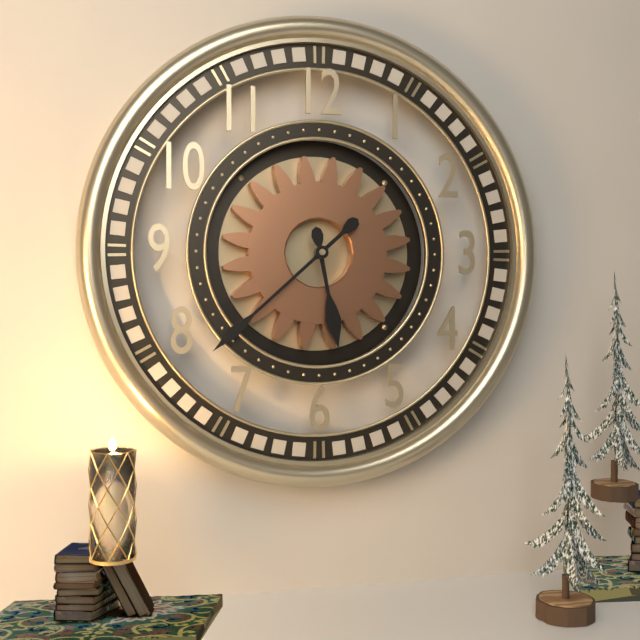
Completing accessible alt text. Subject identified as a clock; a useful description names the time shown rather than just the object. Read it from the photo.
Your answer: 5:38
